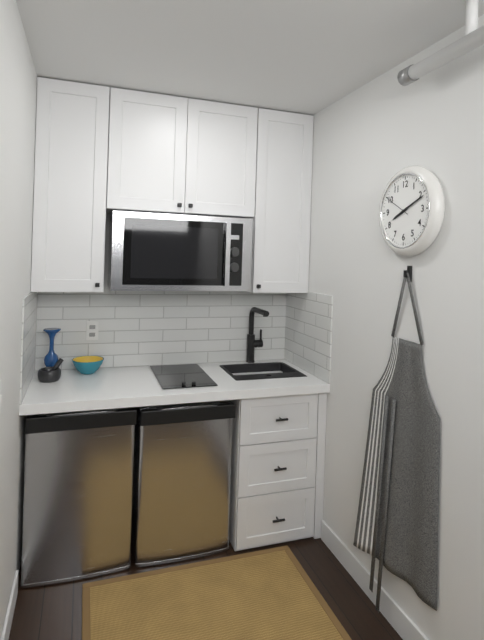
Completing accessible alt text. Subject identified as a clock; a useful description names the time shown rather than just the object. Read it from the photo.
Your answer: 8:11
